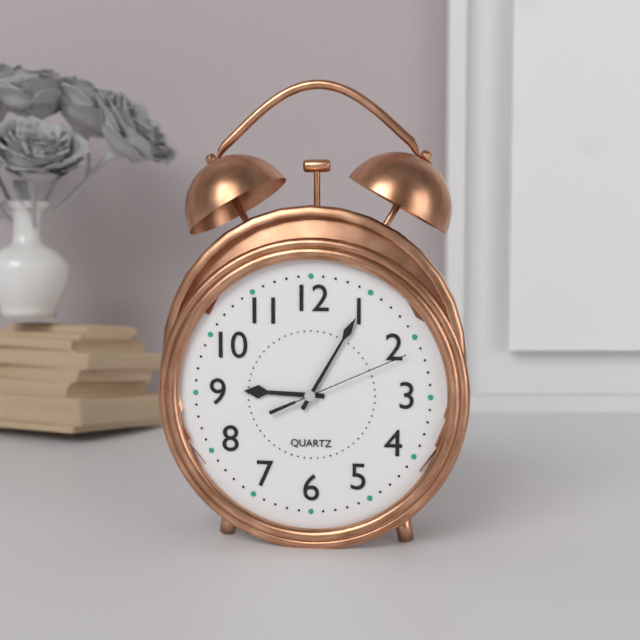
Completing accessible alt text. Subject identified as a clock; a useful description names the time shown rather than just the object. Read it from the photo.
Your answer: 9:05:11
